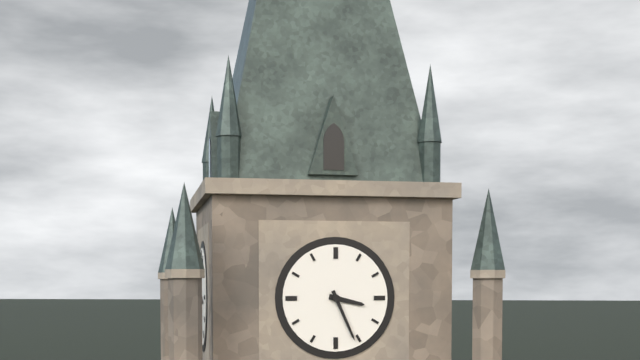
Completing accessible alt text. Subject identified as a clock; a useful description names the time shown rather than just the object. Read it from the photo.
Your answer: 3:26
